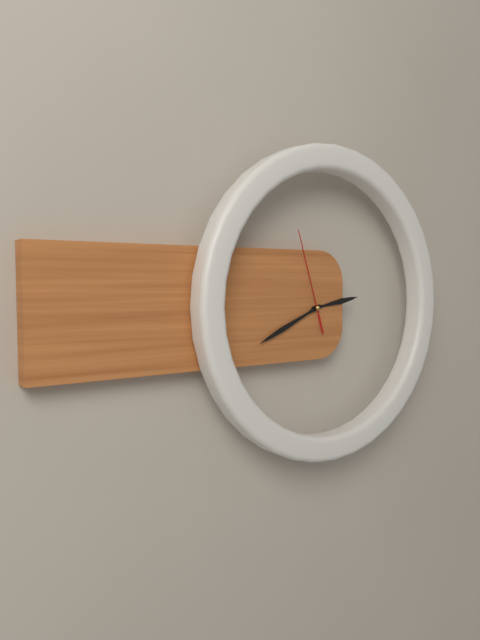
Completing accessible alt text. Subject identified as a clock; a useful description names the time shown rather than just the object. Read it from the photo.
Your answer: 2:41:57
